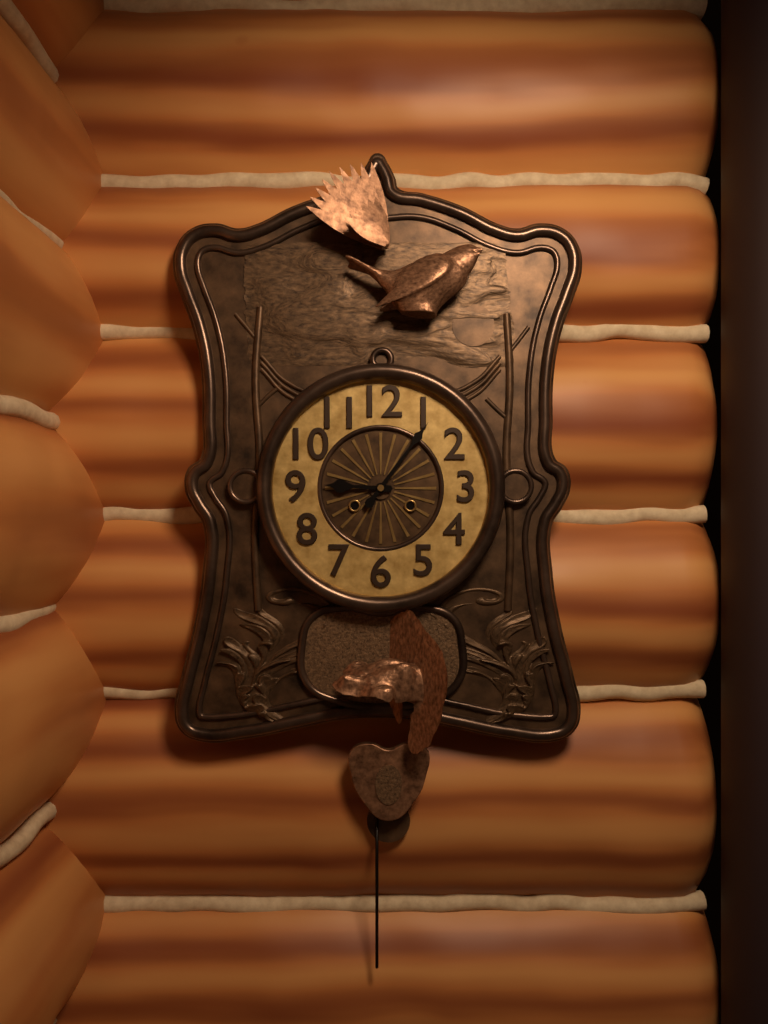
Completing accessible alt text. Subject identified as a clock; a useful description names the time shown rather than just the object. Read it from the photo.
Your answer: 9:06
